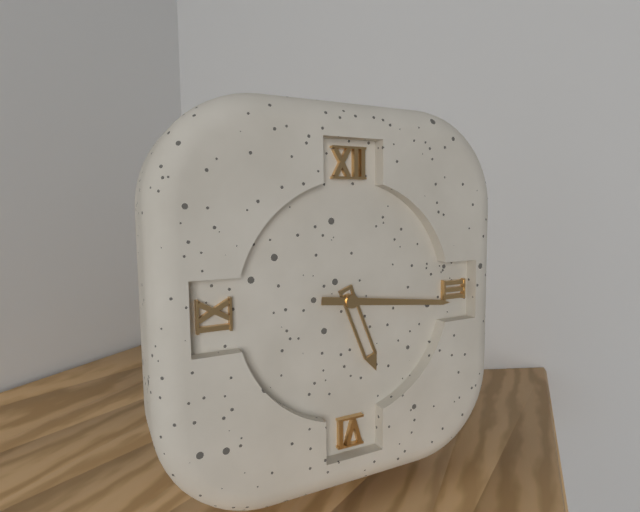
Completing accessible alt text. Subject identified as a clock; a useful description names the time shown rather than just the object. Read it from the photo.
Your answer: 5:16
